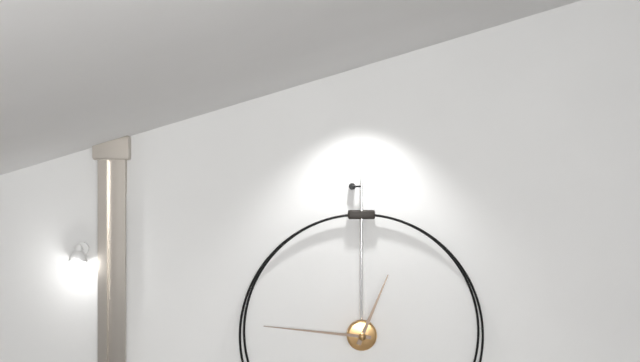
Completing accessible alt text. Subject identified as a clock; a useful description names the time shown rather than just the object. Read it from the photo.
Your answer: 12:46
